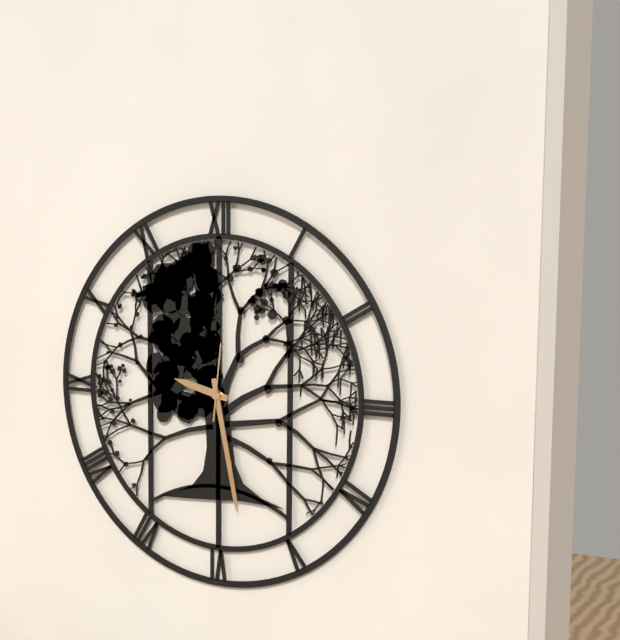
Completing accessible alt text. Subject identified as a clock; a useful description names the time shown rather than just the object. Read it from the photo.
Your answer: 9:28:01
